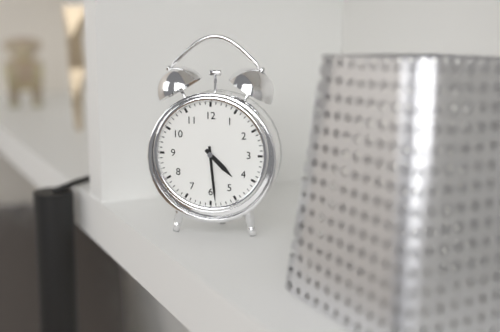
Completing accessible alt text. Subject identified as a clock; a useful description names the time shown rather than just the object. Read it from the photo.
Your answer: 4:29
